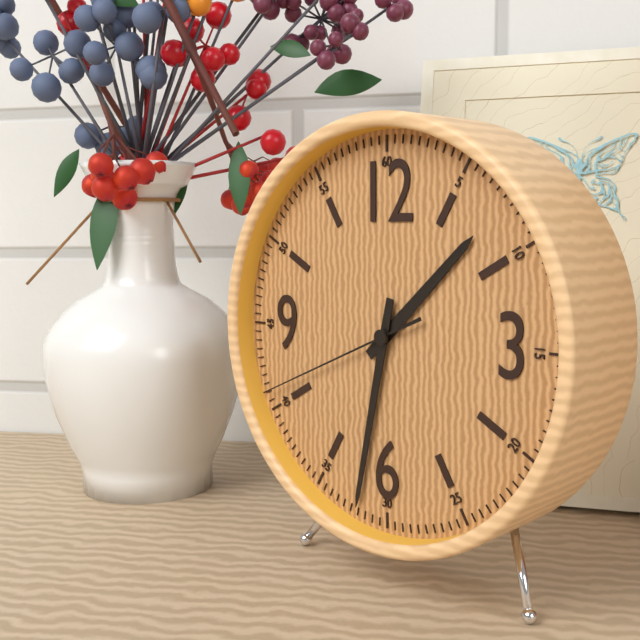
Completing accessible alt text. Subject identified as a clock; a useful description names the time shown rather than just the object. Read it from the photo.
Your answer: 1:32:41
